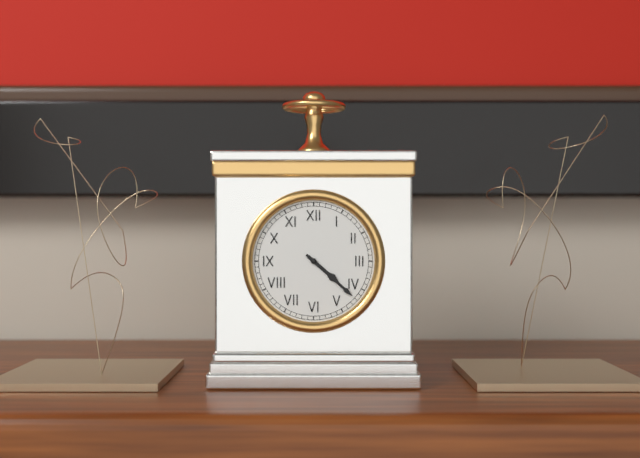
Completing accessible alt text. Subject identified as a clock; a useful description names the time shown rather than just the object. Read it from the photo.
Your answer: 4:22
